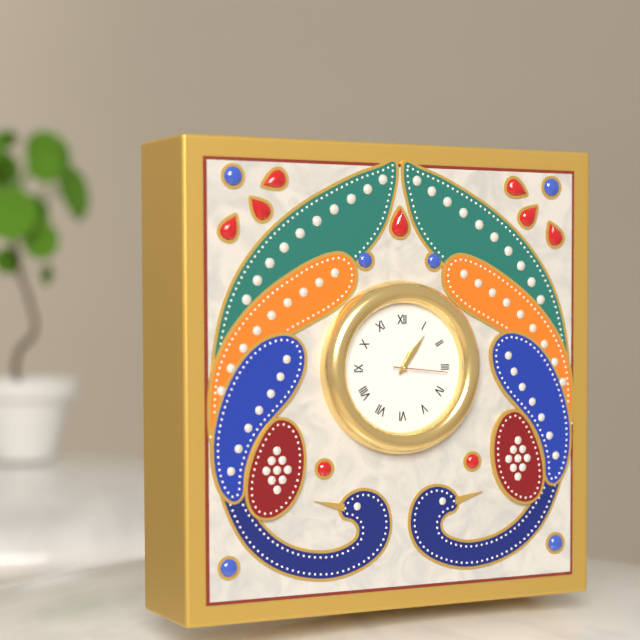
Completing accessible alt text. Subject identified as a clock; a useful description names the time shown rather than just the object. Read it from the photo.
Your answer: 1:06:16
